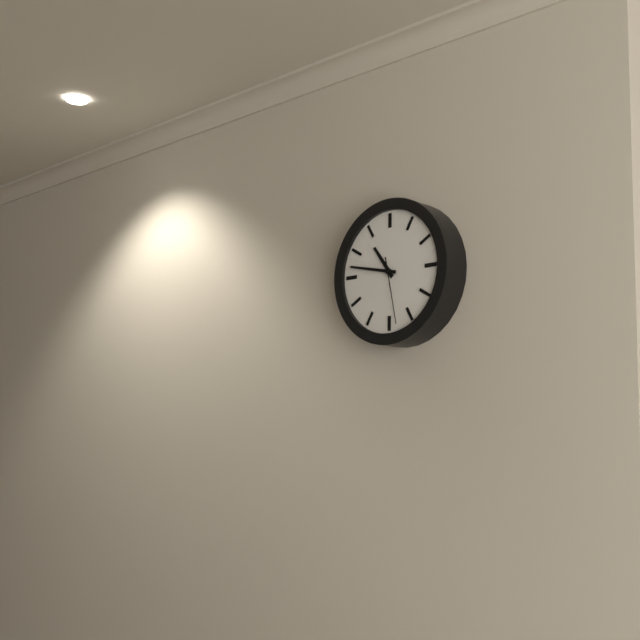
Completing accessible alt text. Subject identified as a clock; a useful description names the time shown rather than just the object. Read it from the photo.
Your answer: 10:47:28
